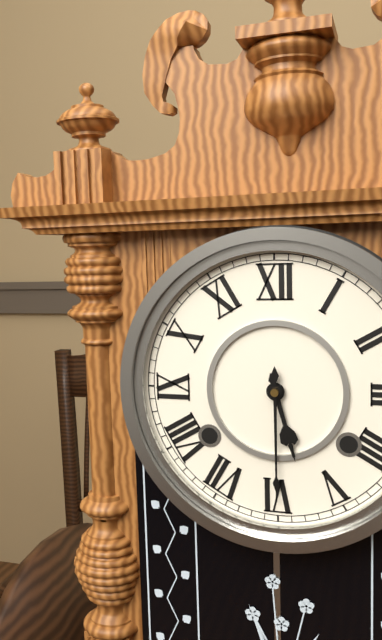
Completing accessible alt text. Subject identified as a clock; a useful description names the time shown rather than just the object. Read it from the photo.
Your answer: 5:30
